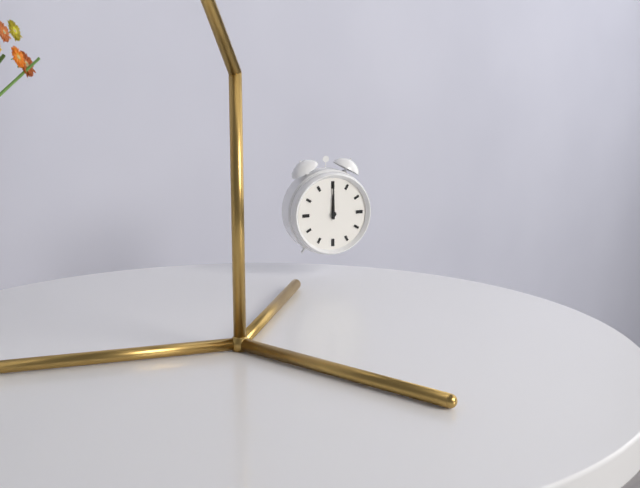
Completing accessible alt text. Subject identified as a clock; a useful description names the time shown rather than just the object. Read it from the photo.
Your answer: 12:00
